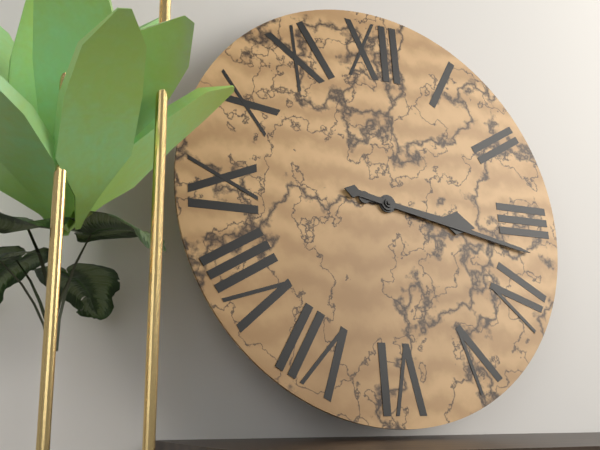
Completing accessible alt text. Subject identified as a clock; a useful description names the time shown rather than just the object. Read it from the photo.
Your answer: 3:17
